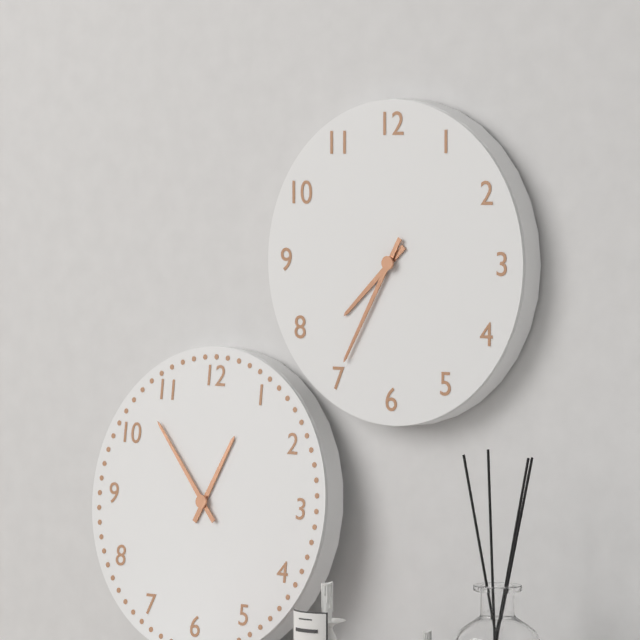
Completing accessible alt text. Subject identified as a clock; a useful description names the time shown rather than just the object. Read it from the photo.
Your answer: 7:35
